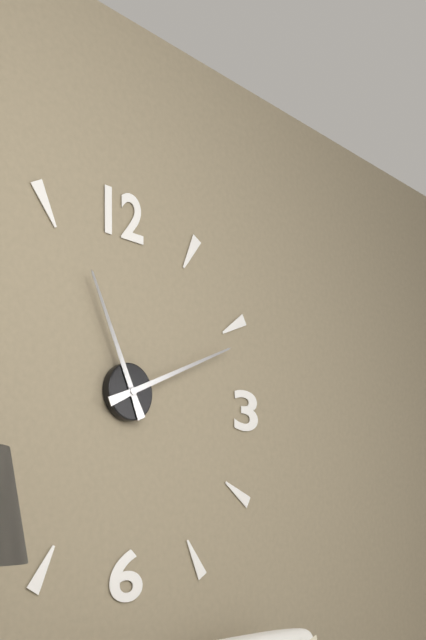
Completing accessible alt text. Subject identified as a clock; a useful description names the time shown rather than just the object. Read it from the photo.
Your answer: 11:11
